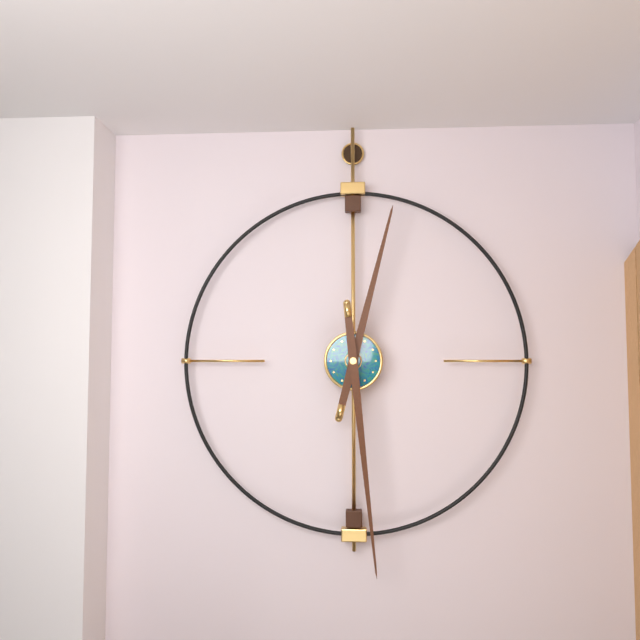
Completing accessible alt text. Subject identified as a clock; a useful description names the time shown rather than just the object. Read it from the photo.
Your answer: 12:29
